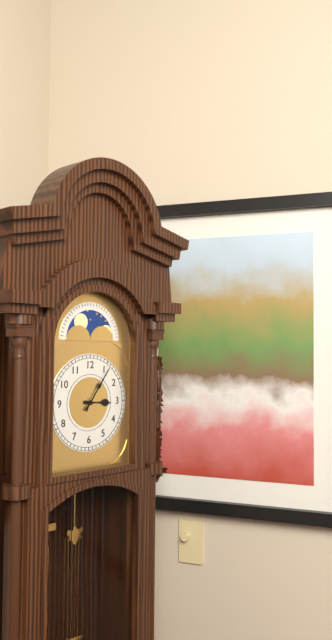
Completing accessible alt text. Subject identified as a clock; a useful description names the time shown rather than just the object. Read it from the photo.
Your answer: 3:06
